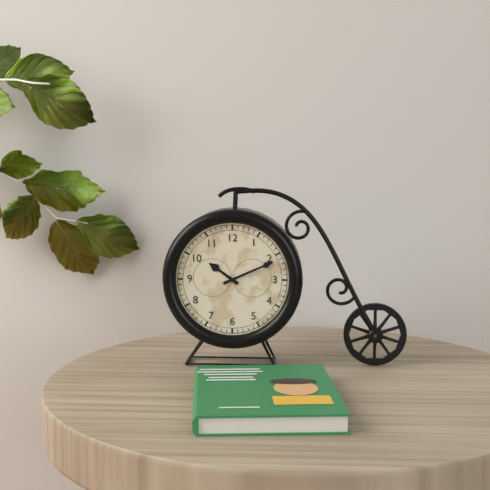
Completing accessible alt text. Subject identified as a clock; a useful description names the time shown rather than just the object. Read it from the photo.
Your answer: 10:11
